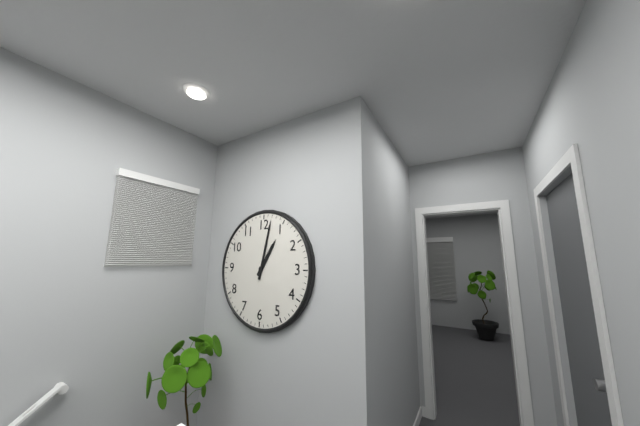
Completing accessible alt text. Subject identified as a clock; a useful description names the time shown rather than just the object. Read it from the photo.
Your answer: 1:02
